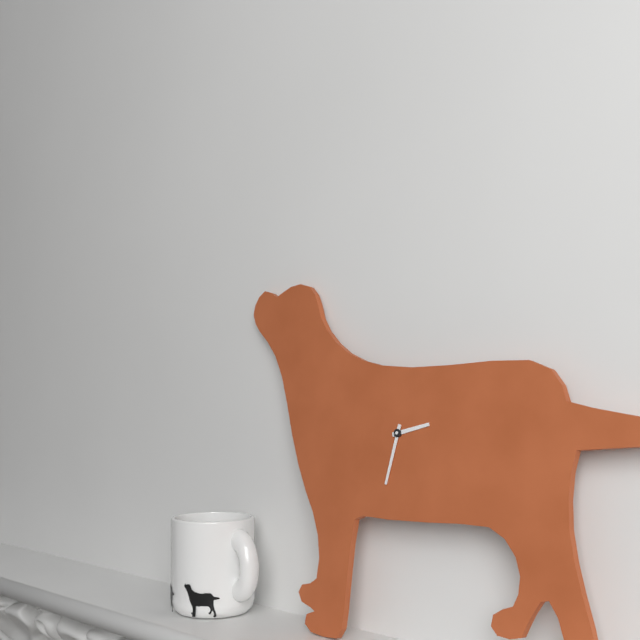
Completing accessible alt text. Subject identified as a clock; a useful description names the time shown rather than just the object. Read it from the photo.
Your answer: 2:32
